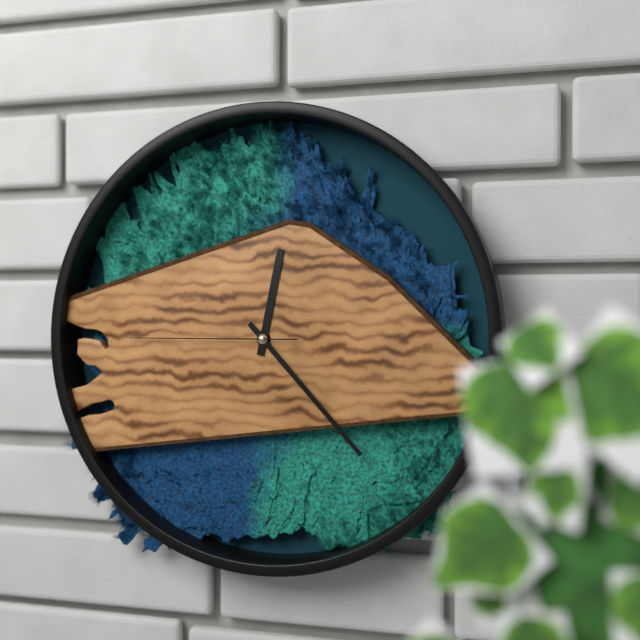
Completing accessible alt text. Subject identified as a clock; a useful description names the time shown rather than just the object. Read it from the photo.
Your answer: 12:23:45
